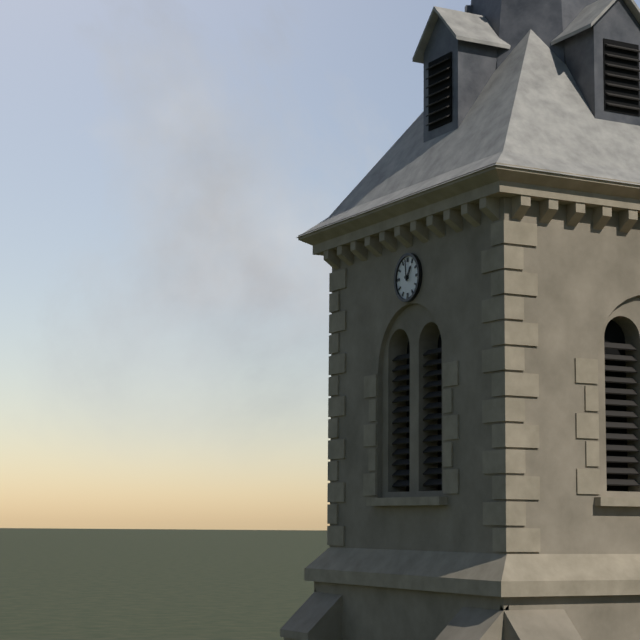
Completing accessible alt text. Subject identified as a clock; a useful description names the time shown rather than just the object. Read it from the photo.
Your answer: 12:59
